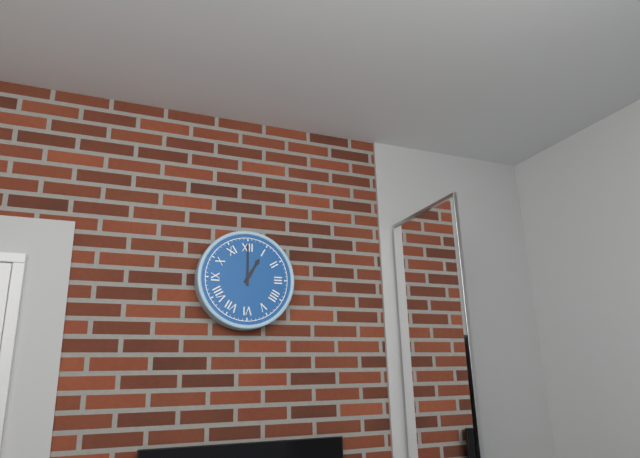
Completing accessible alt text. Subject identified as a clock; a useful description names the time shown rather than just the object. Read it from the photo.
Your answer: 1:00
